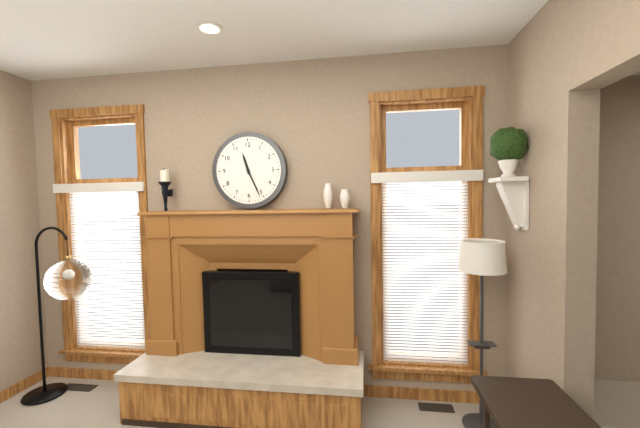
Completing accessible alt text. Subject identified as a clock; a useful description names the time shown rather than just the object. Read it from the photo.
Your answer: 11:26
